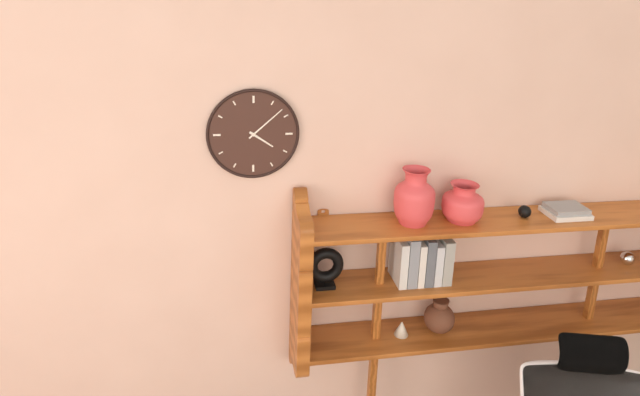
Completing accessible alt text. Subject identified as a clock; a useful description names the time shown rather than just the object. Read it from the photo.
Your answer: 4:08
